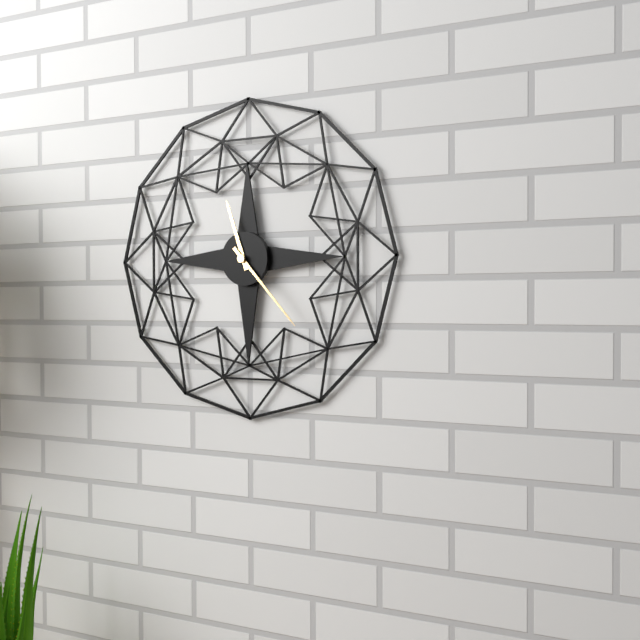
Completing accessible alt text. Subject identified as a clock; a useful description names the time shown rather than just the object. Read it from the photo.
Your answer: 11:23
